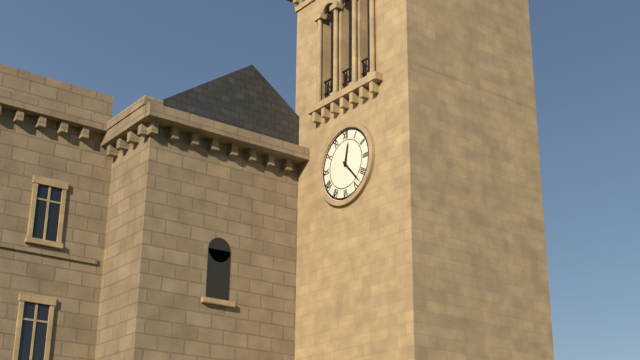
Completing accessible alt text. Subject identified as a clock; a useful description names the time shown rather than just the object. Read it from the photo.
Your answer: 12:23
